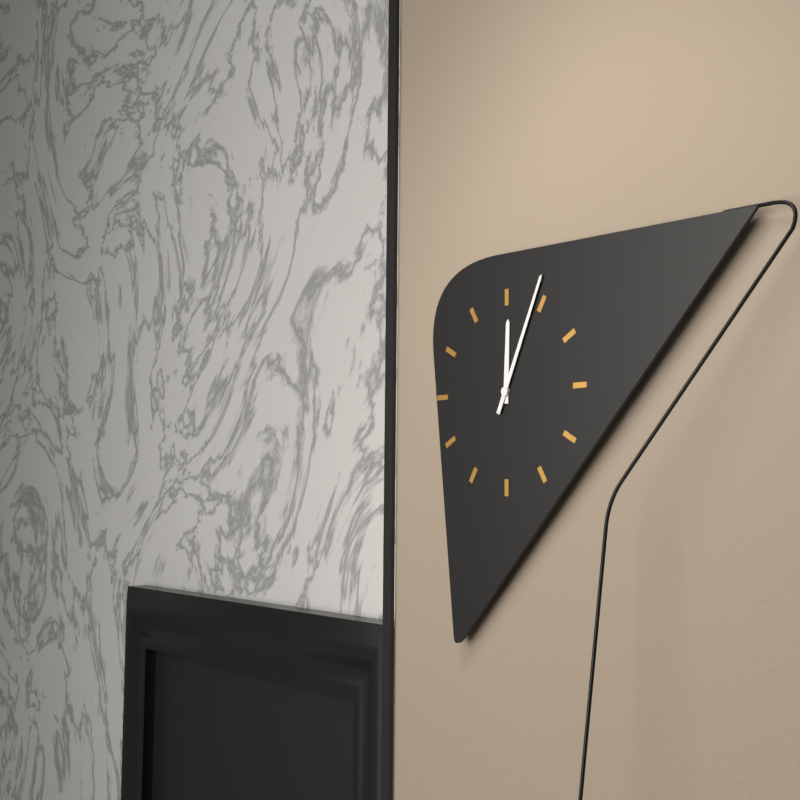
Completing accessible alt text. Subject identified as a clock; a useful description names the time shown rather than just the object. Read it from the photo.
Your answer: 12:04
